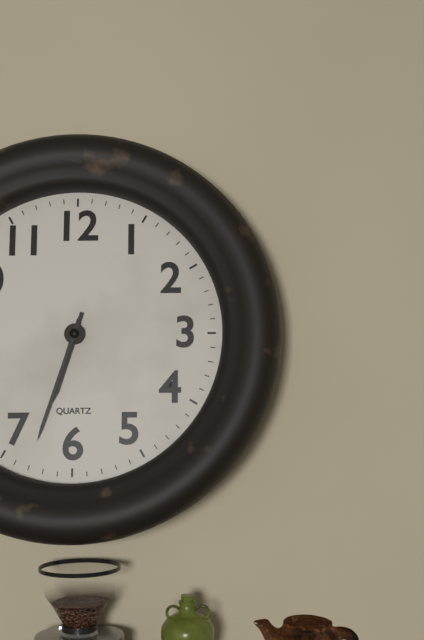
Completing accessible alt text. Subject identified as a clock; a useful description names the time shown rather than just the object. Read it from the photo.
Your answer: 6:33
